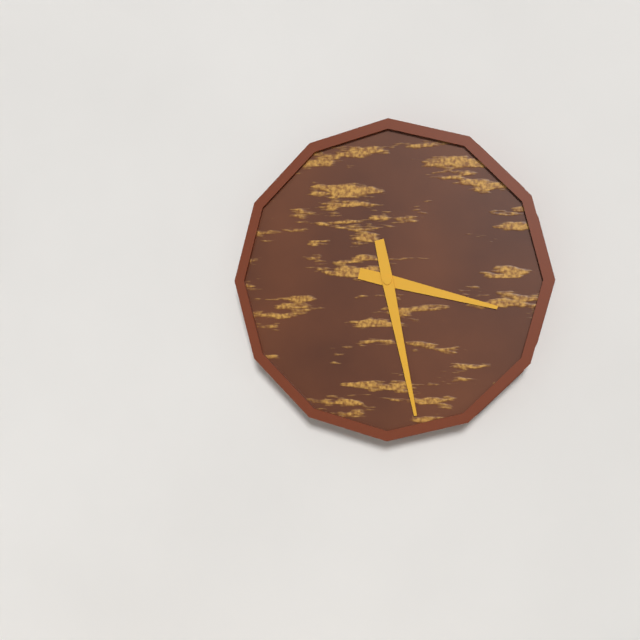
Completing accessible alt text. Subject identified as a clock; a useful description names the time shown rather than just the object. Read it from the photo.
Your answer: 3:28
